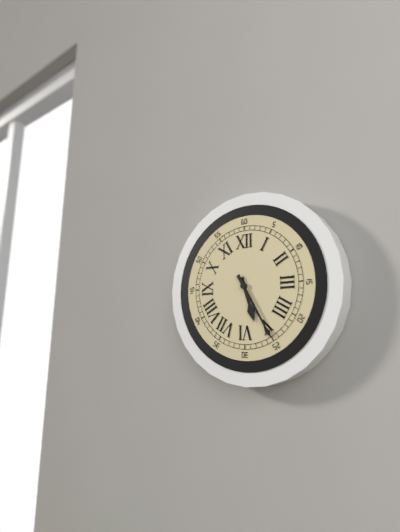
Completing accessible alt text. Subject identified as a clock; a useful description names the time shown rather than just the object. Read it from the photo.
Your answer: 5:25
